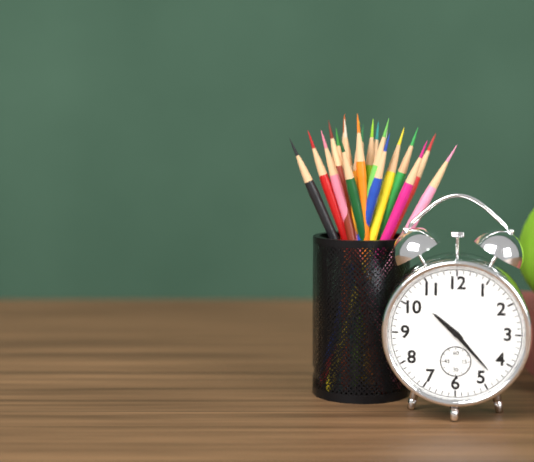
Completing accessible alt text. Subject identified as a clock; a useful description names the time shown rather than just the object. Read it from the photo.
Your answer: 10:23
